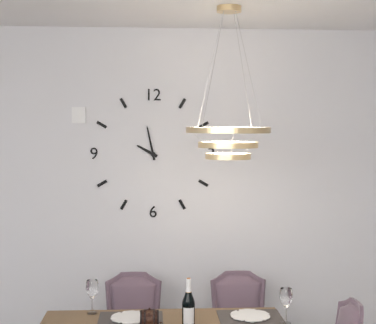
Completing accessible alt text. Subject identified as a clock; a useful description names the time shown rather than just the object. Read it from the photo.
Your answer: 9:58
